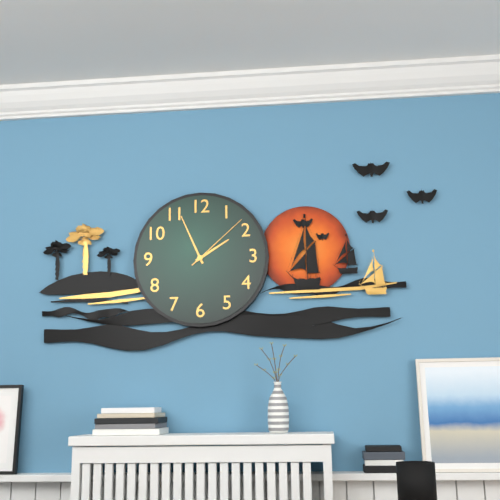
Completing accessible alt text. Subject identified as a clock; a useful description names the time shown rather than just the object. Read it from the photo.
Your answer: 1:56:08
